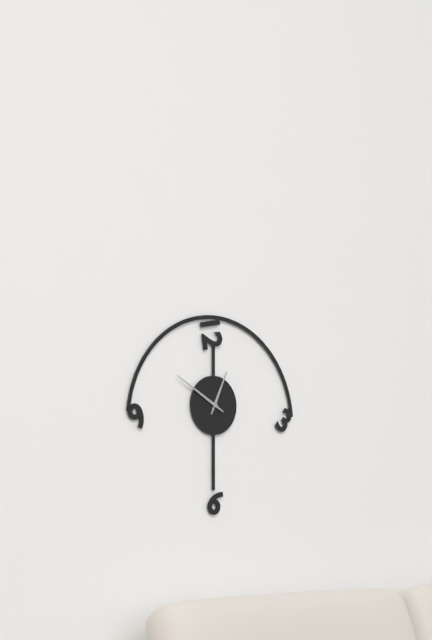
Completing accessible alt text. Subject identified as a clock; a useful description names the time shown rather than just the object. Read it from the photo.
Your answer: 12:50
